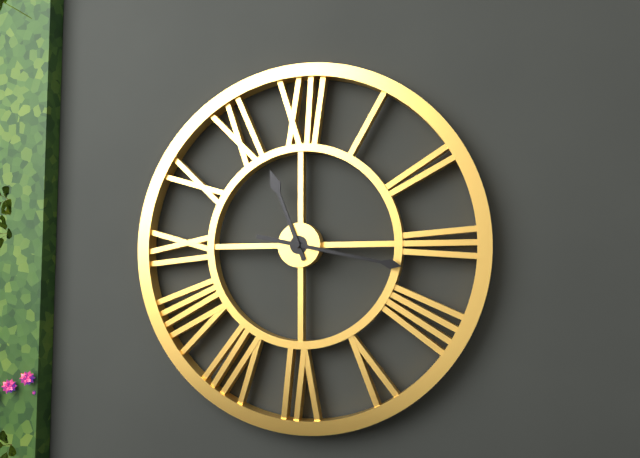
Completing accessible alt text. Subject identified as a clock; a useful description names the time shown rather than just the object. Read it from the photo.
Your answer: 11:17
